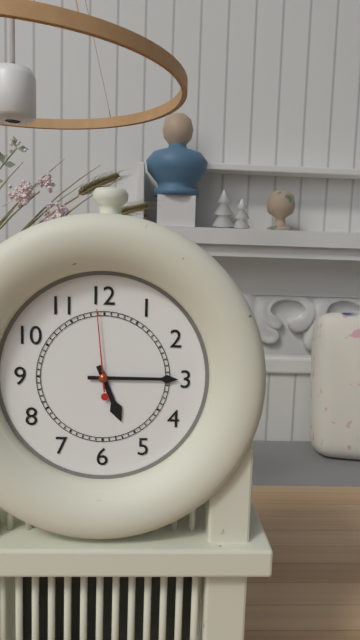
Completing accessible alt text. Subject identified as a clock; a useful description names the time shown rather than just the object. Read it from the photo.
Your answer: 5:15:59
